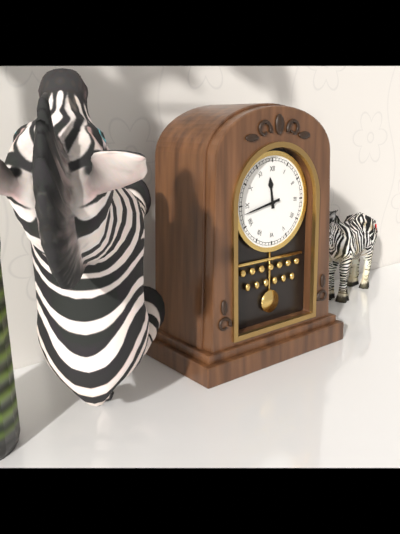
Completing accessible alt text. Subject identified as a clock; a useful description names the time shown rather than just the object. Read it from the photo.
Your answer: 11:43
